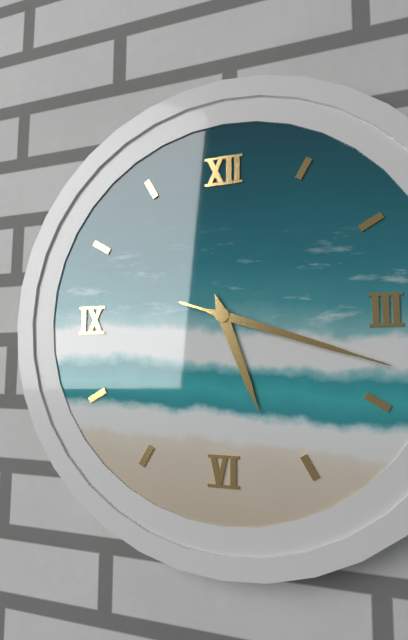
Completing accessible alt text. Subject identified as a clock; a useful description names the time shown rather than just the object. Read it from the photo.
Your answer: 5:18:18
